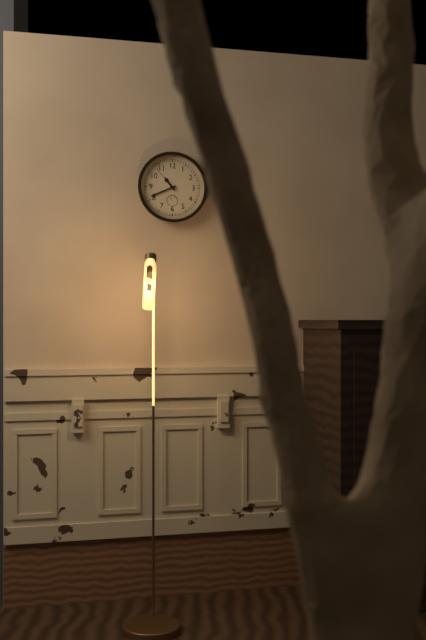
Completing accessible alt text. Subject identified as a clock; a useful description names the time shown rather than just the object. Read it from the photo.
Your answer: 10:41
